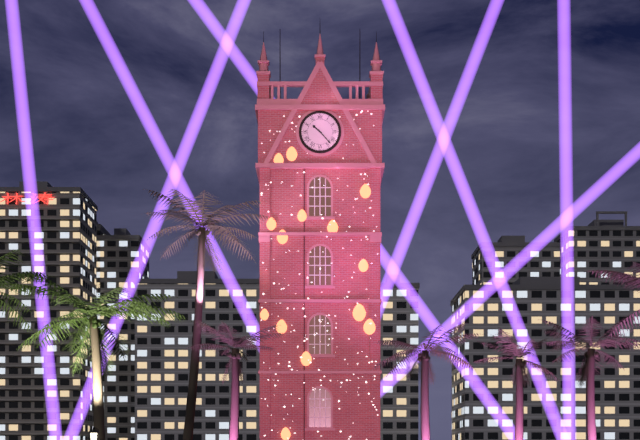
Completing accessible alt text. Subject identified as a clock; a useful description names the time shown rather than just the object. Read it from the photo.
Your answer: 10:23
